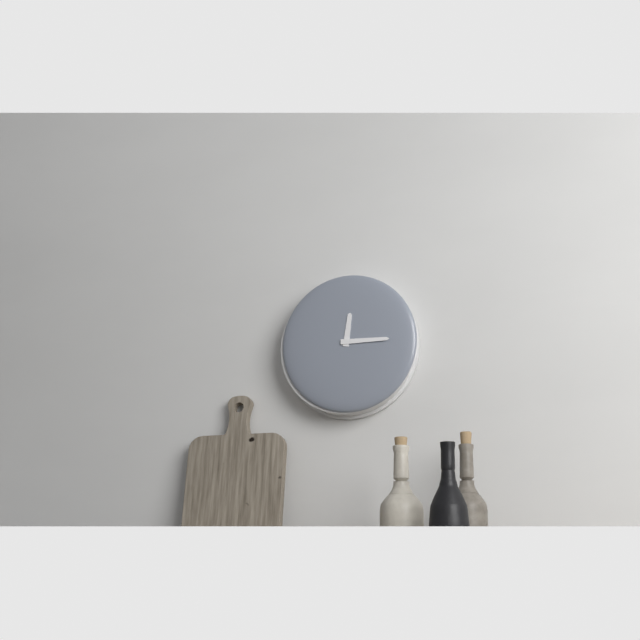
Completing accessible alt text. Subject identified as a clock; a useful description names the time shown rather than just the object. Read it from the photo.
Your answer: 12:15
